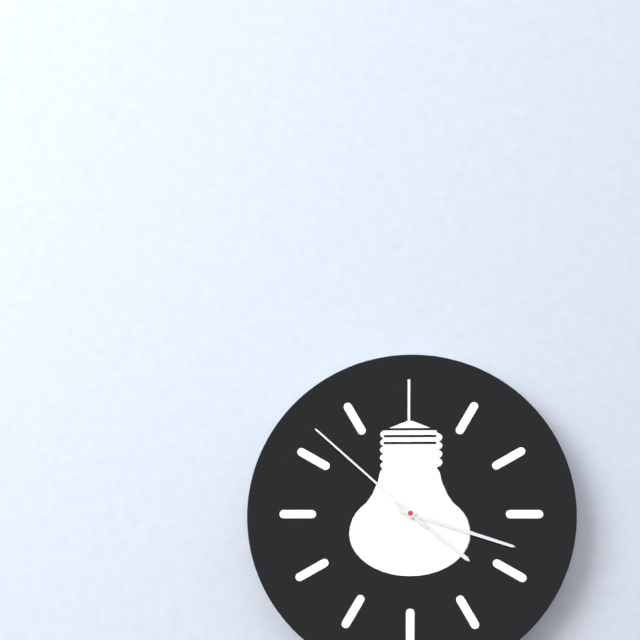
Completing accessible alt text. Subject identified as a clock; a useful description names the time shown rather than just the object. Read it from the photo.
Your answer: 4:18:52
